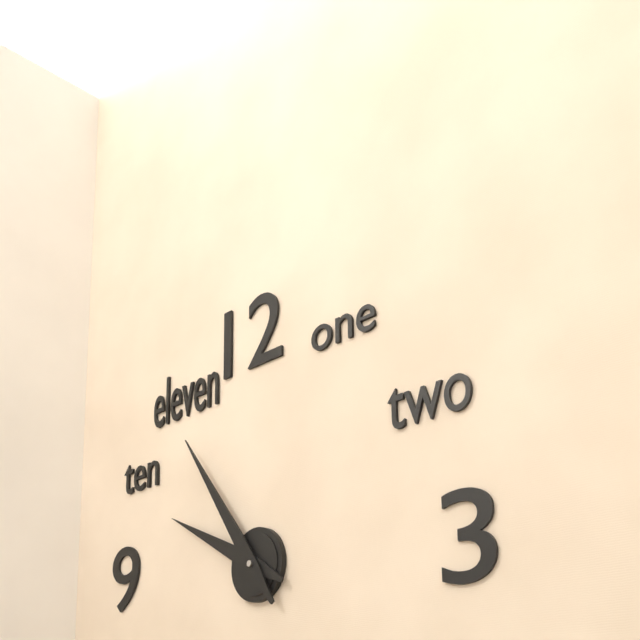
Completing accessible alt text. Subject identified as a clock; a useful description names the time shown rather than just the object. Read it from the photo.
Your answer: 9:54
